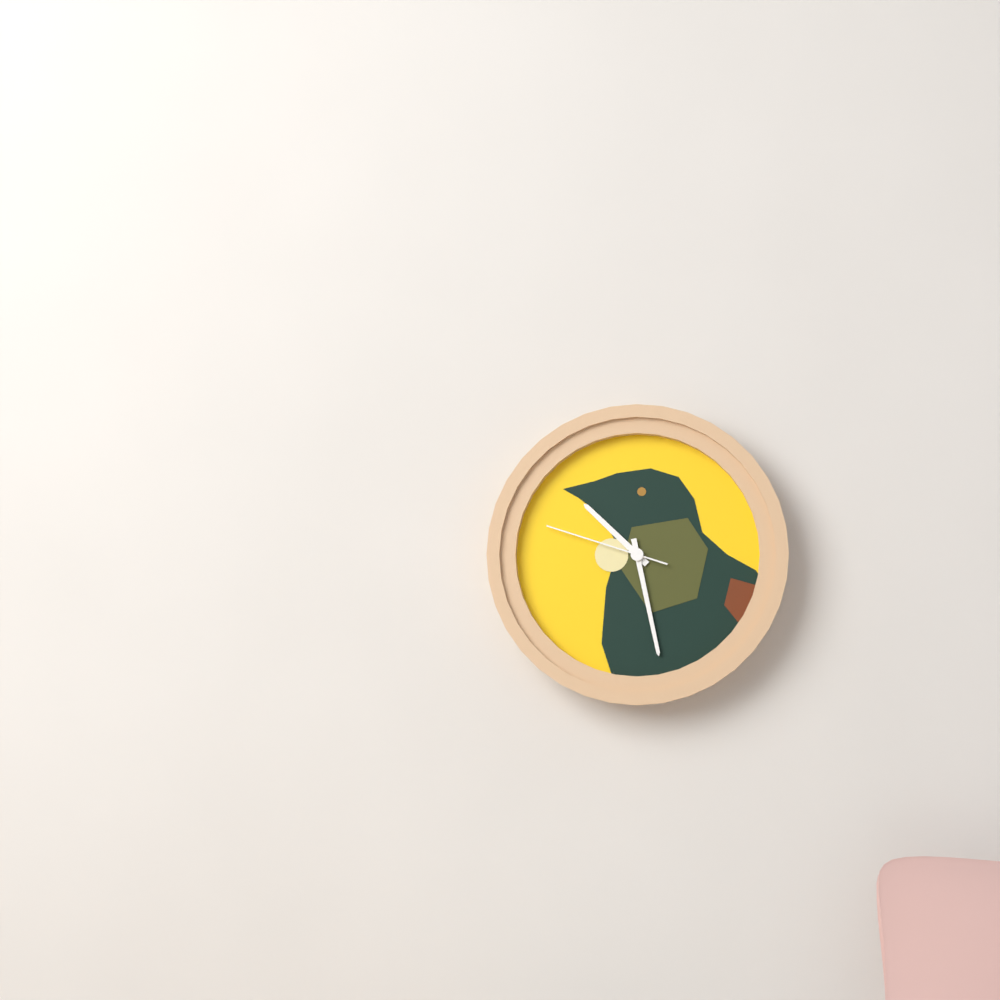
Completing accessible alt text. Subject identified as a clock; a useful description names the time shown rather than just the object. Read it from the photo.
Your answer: 10:28:48
